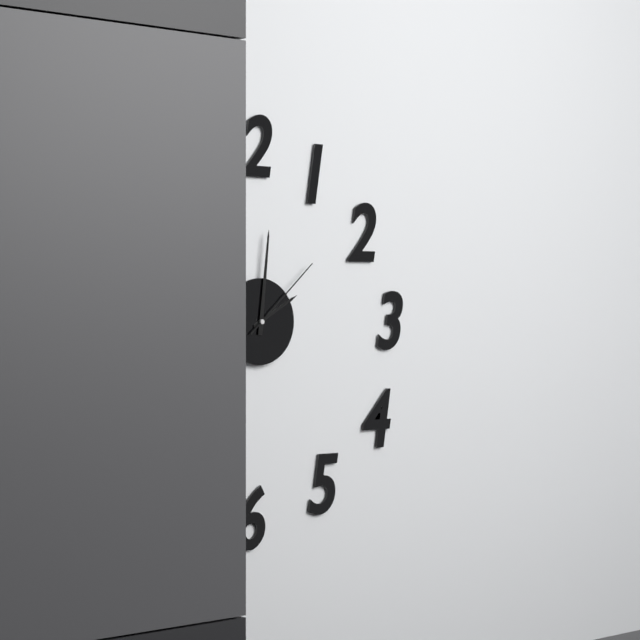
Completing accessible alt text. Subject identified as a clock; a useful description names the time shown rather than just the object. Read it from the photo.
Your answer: 2:01:08
